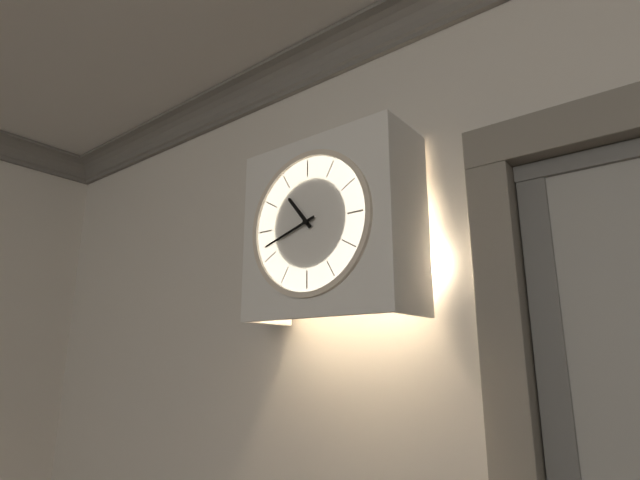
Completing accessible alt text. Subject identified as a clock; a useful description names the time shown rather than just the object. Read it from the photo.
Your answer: 10:42
